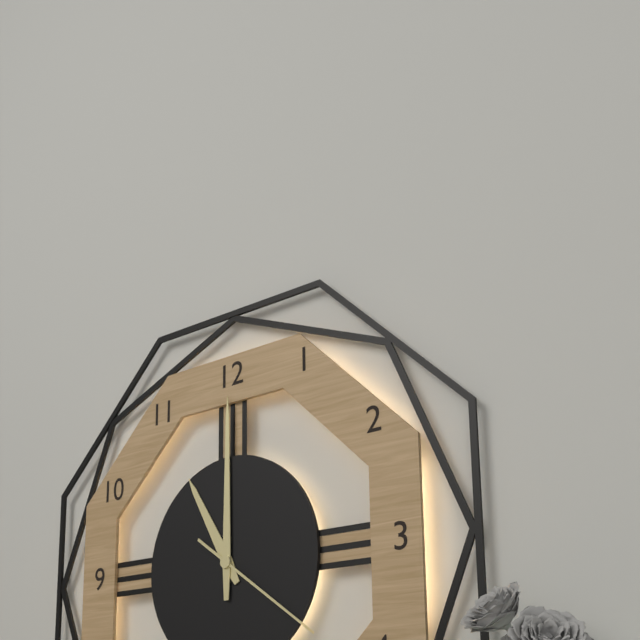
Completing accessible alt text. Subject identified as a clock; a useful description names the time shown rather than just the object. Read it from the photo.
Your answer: 11:00:21
